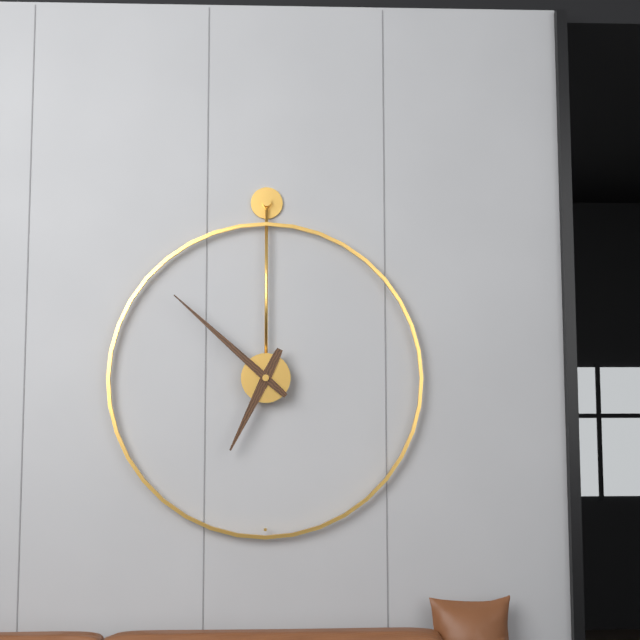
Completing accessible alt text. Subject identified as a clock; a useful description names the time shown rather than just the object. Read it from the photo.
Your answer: 6:52
